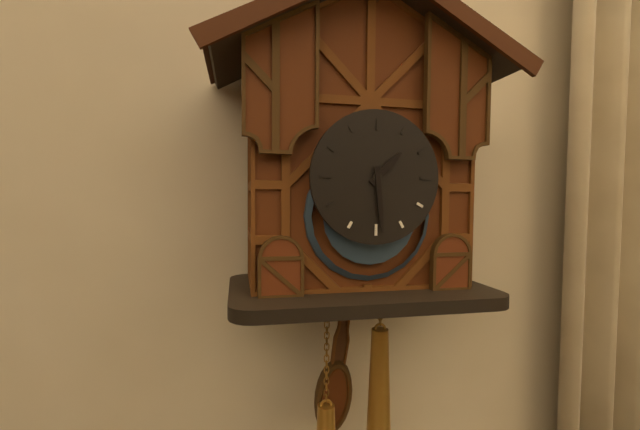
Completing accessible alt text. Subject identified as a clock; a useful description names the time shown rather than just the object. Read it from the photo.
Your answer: 1:29
